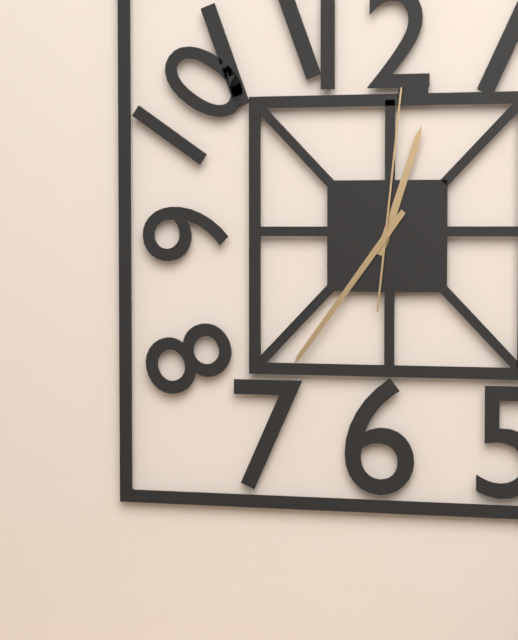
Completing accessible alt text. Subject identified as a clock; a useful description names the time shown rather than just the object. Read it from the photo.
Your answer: 12:36:01
